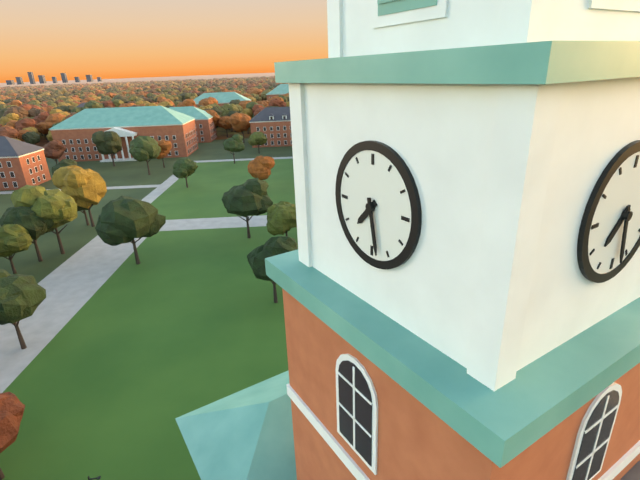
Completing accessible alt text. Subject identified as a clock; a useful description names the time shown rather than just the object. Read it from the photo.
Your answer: 7:28
